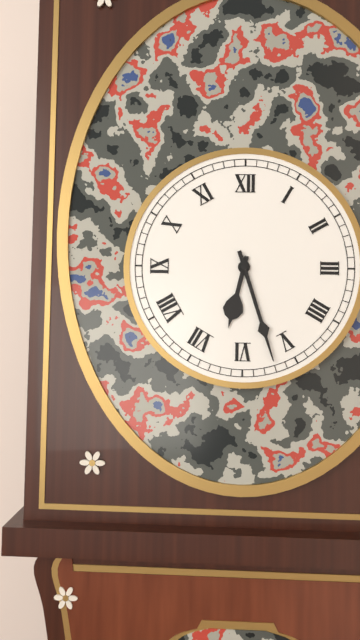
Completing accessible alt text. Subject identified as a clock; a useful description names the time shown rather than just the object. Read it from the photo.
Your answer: 6:27
